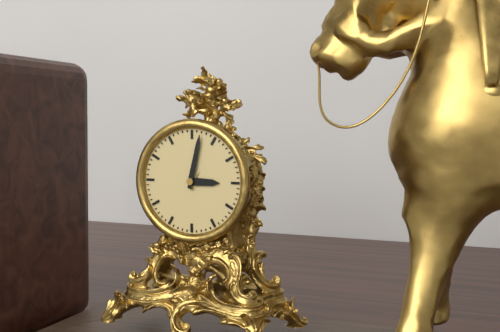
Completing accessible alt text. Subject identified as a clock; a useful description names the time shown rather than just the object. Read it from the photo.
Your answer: 3:02
